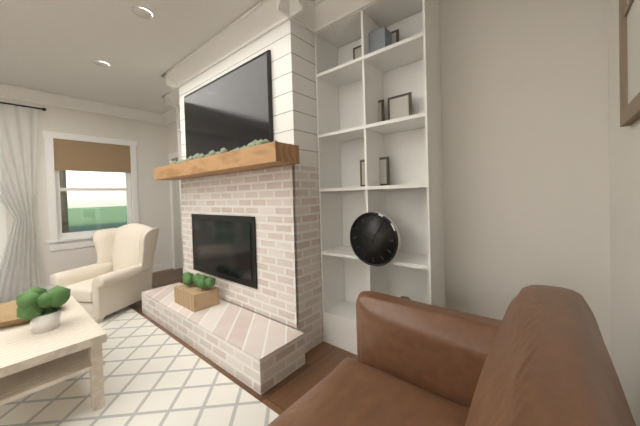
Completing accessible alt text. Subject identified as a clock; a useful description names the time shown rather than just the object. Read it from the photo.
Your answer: 10:06
